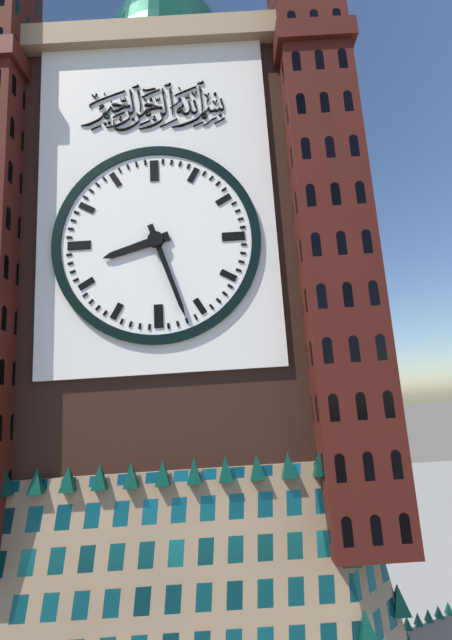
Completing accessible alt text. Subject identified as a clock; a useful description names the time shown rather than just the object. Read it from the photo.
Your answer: 8:27
